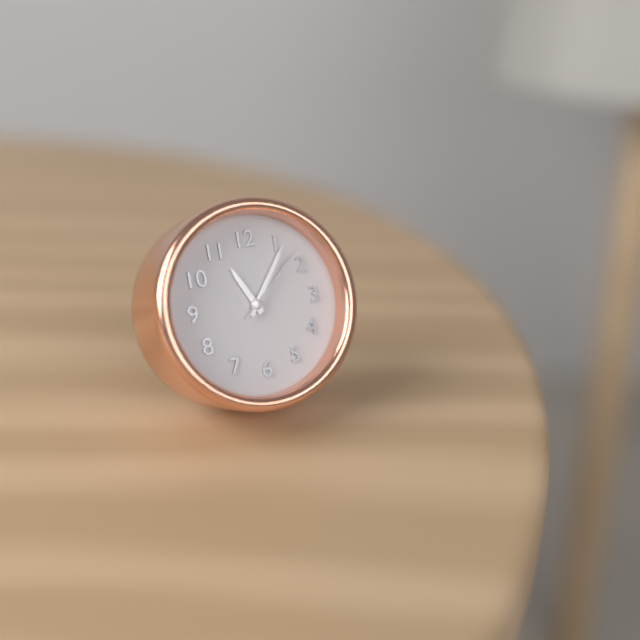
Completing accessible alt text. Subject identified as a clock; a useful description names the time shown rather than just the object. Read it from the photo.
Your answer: 11:06:08
